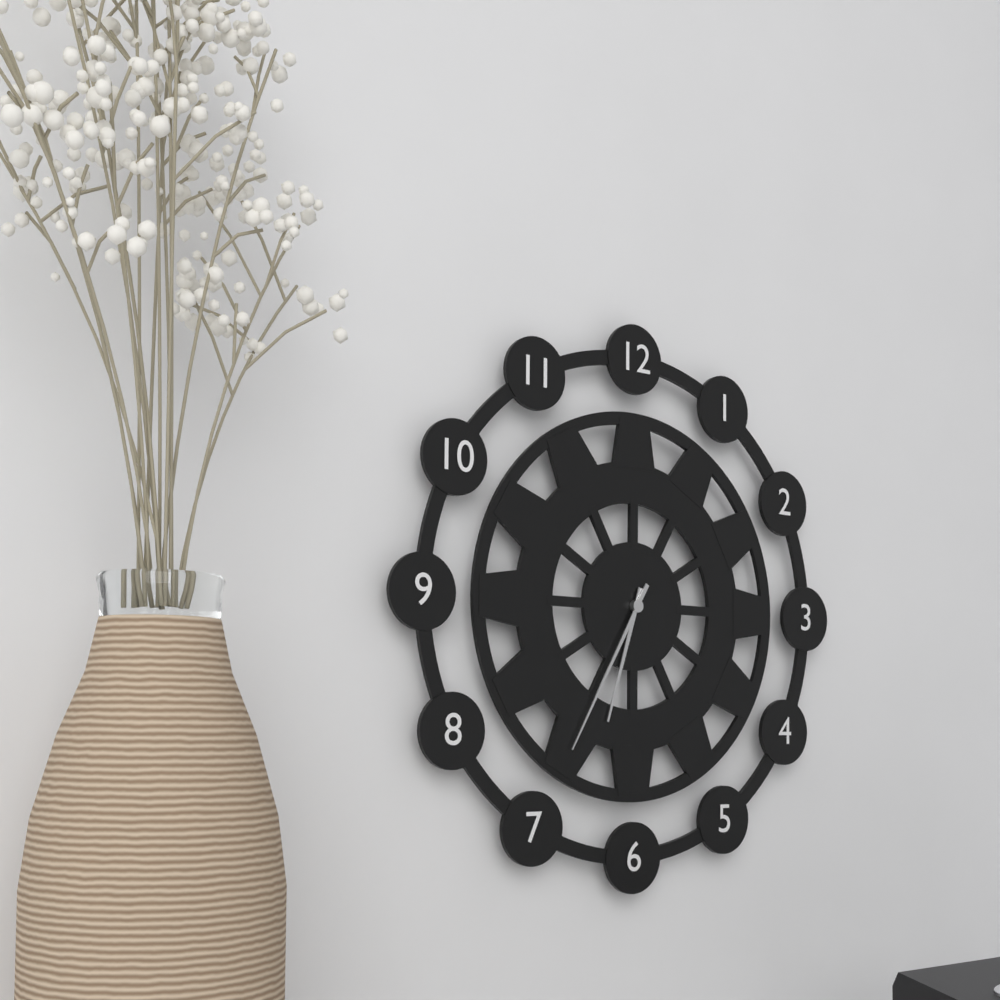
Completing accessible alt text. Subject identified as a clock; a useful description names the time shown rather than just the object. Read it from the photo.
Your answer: 6:35
